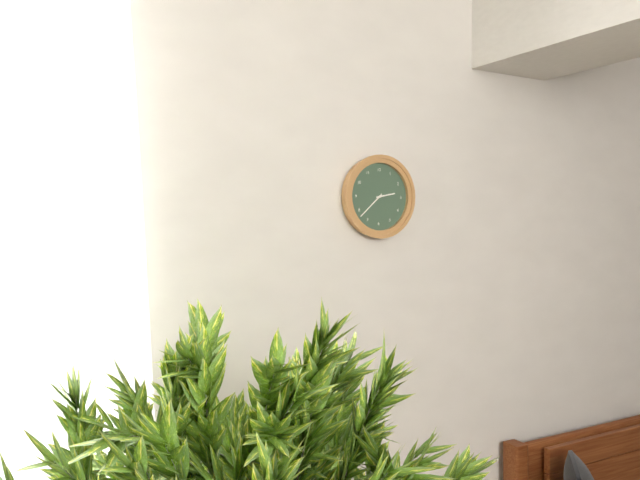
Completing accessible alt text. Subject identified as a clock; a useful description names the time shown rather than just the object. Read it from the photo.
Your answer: 2:38
